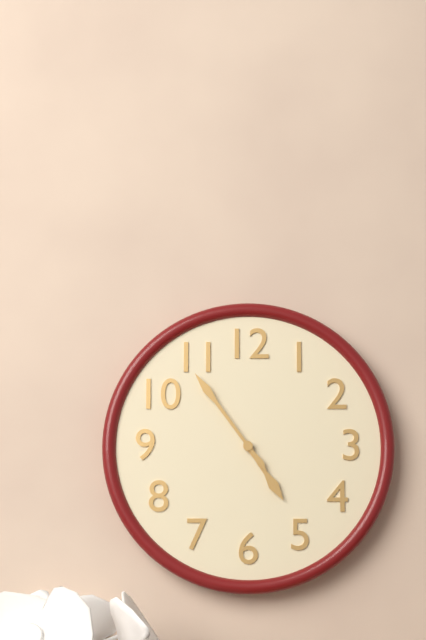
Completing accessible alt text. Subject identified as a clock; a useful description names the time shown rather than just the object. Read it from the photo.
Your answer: 4:54
